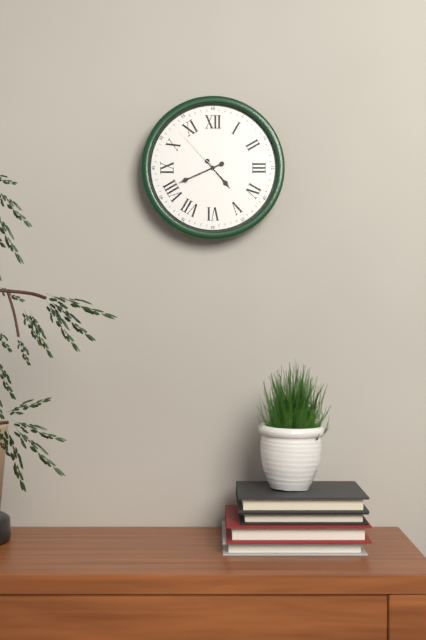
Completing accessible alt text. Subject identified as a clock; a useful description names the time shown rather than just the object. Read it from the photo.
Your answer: 4:41:53
